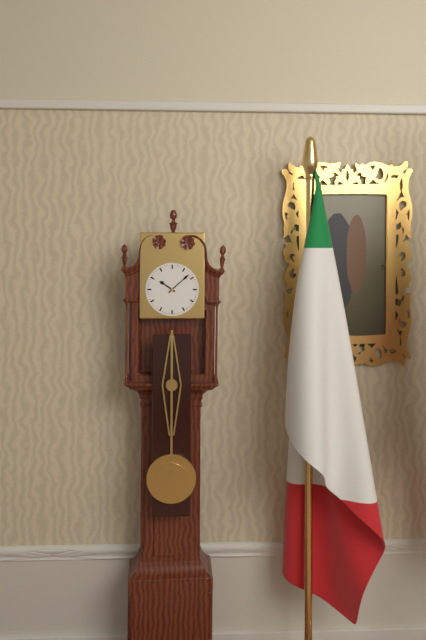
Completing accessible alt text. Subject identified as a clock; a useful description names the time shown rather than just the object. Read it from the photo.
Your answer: 10:08
